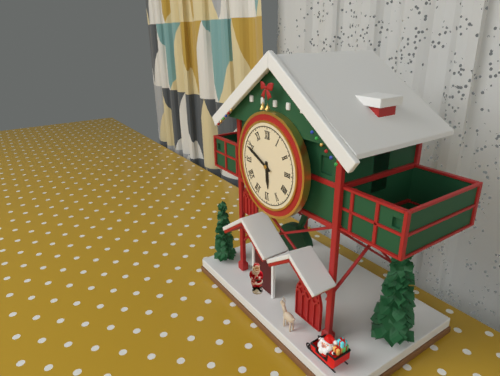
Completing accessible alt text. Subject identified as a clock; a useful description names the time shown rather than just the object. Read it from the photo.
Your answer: 5:49
